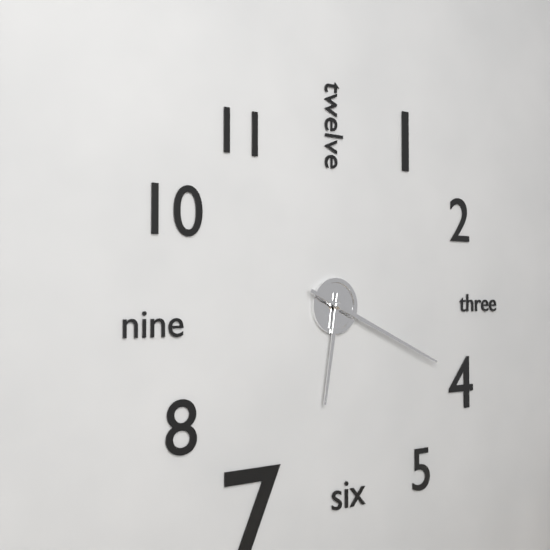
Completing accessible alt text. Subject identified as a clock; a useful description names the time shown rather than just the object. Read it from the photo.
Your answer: 6:19
